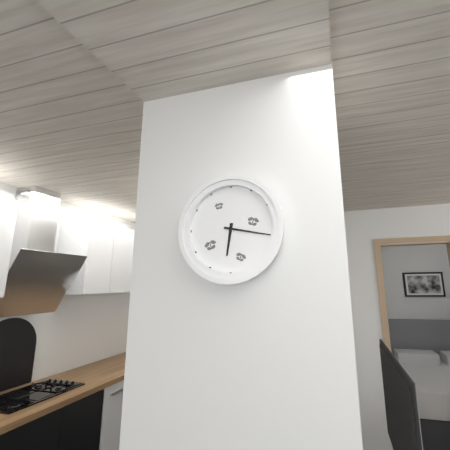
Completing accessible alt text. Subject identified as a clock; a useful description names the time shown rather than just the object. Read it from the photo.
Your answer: 6:17
